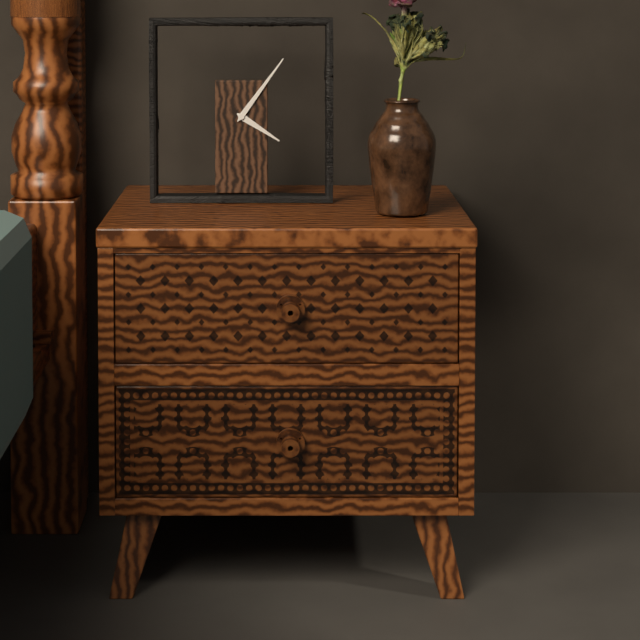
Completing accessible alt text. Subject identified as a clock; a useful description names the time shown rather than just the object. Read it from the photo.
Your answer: 4:06
